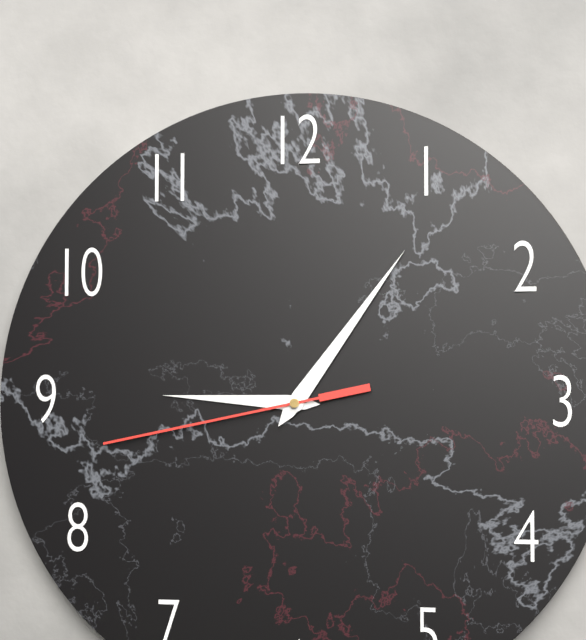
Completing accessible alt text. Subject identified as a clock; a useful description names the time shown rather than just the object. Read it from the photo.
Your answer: 9:06:43
